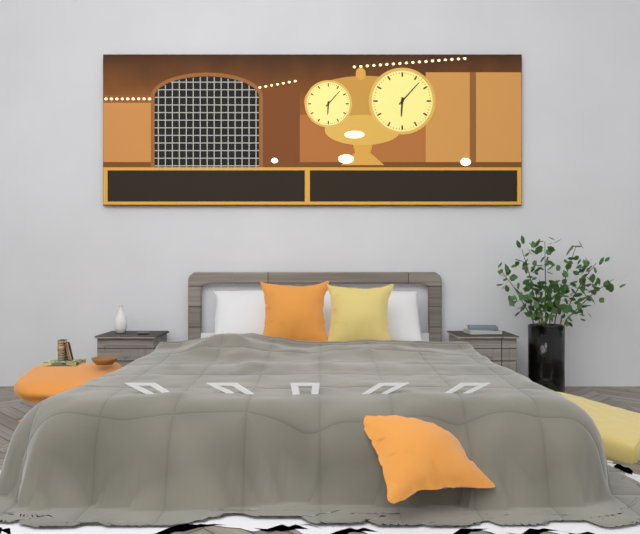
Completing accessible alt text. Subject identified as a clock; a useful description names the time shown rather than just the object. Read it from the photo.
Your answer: 6:07
